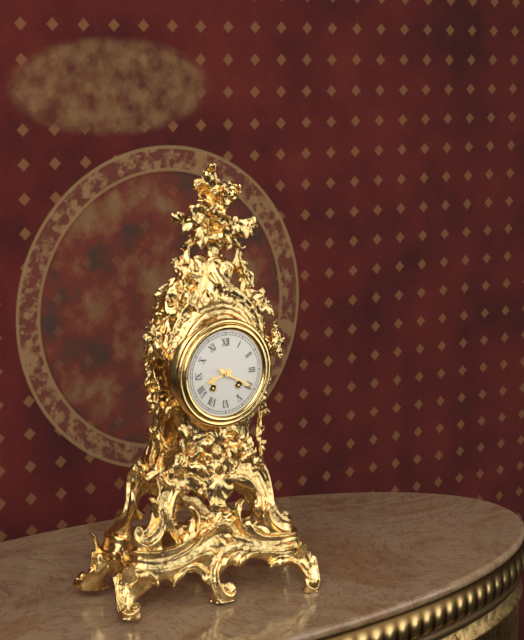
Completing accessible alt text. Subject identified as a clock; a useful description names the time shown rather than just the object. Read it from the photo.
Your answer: 8:20
